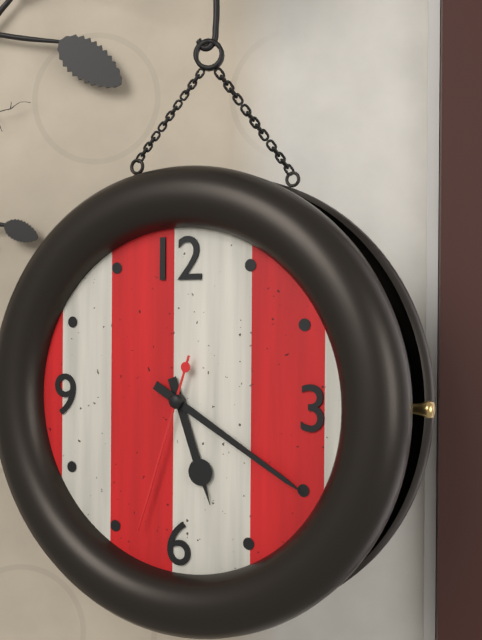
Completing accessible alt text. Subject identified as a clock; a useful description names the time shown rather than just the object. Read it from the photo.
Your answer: 5:20:33
